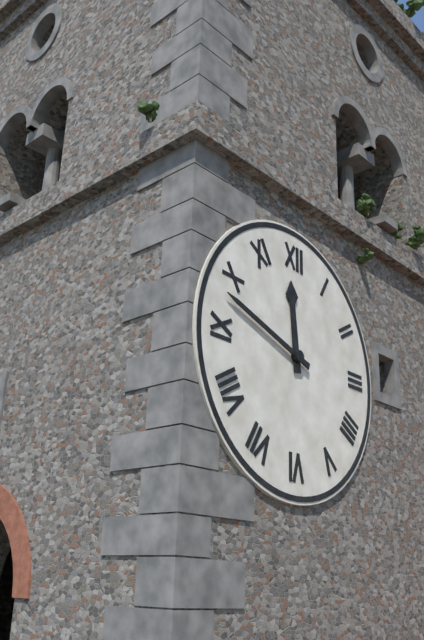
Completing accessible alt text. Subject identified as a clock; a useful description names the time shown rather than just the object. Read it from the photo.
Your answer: 11:48
